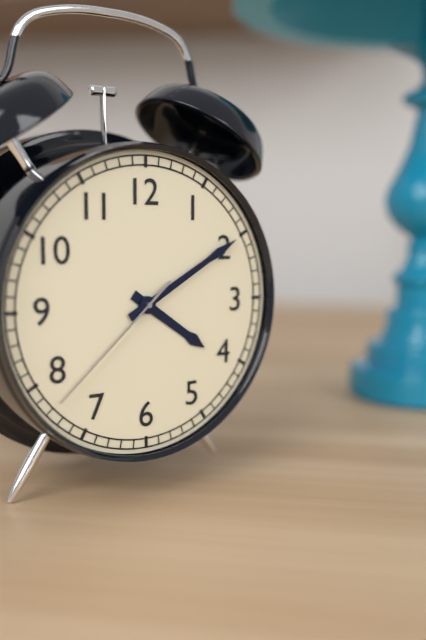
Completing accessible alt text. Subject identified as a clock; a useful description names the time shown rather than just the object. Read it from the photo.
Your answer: 4:10:38
